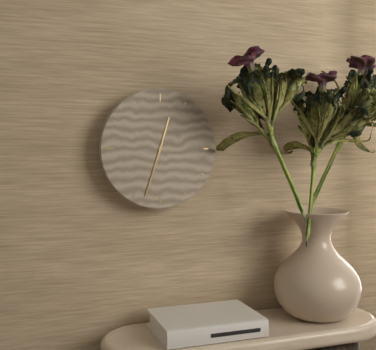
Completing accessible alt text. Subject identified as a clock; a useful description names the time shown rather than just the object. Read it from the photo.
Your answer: 12:33
